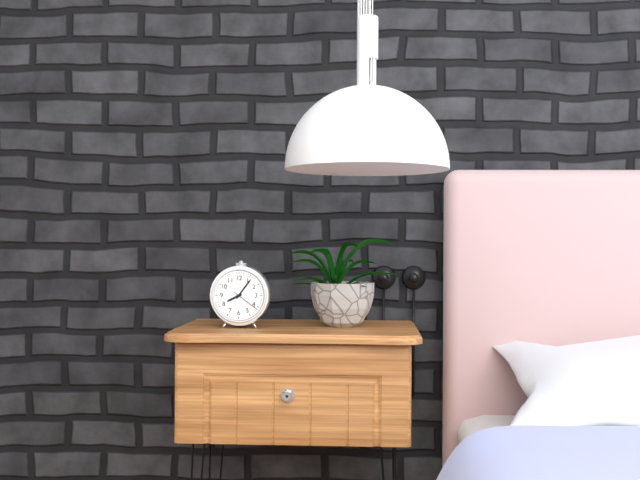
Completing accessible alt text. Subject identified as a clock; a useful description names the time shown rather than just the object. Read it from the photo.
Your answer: 8:06
